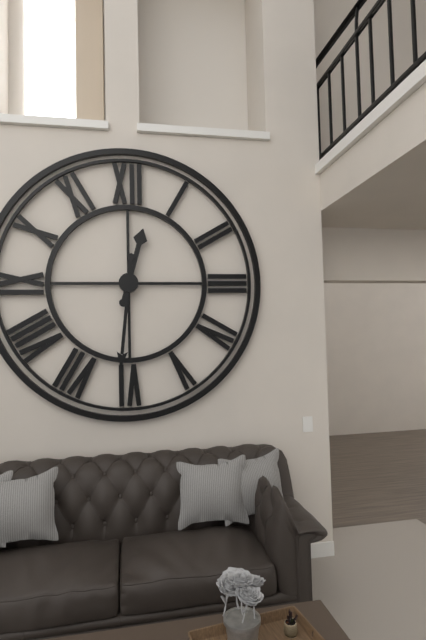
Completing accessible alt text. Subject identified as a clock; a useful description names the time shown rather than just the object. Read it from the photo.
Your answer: 12:31
